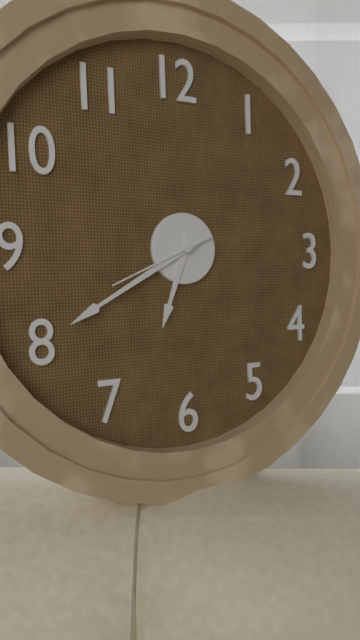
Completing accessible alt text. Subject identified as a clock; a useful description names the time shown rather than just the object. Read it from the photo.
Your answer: 6:40:41
